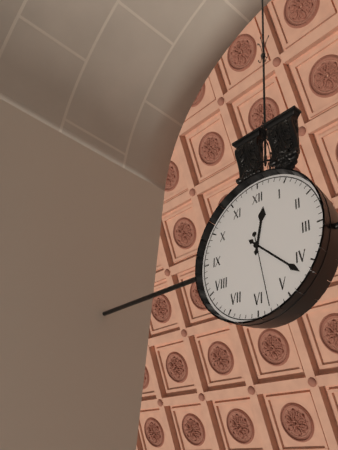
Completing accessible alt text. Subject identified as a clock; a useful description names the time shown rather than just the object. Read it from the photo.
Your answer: 12:22:28
